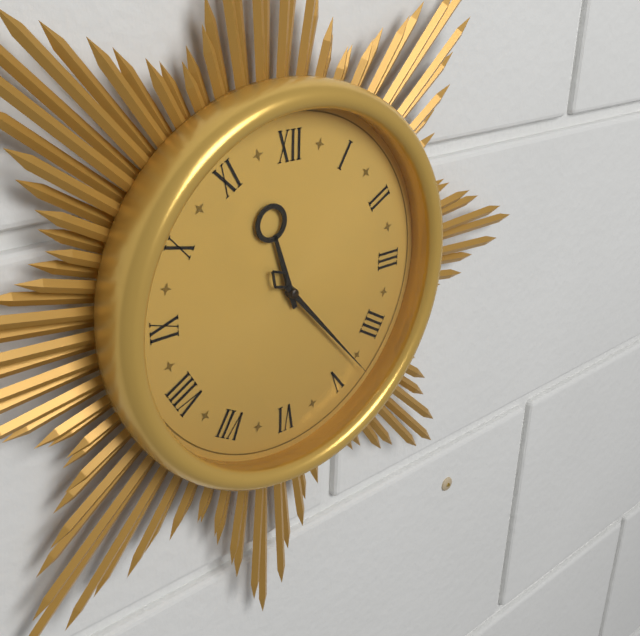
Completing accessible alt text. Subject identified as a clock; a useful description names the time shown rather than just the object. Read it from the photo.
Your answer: 11:23
